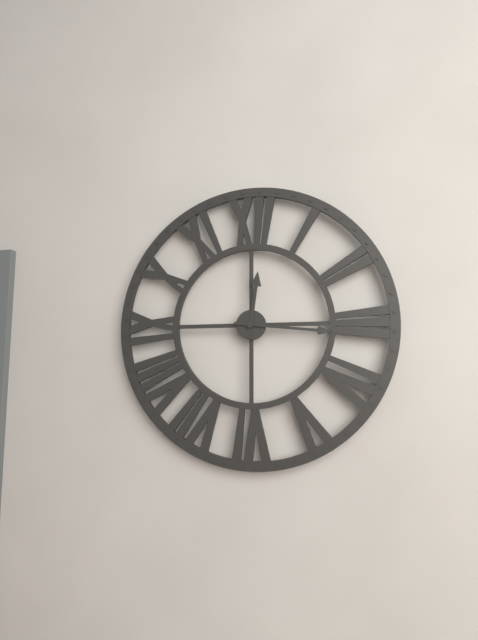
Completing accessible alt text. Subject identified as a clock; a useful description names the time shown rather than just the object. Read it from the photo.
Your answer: 12:16
